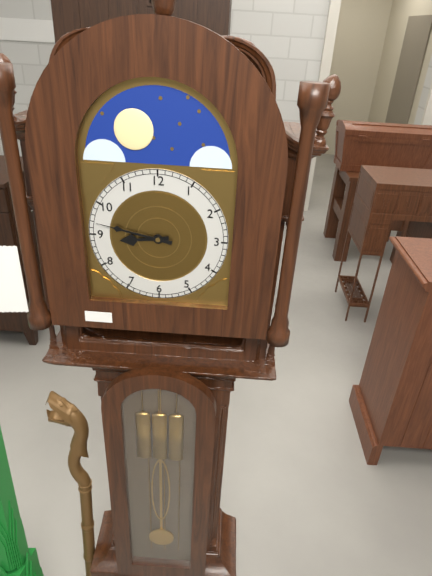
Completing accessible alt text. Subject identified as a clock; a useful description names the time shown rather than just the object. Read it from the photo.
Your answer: 8:47
